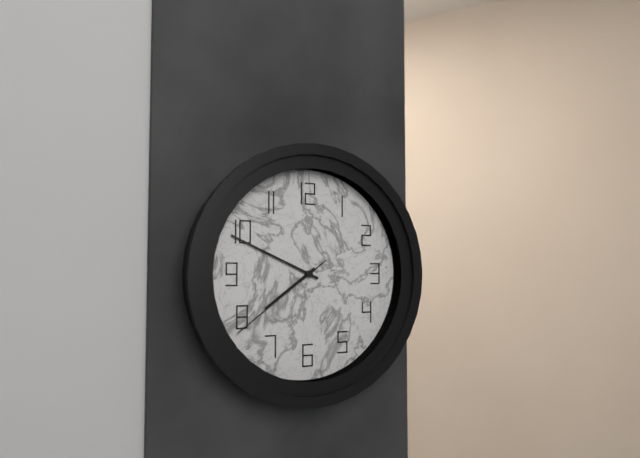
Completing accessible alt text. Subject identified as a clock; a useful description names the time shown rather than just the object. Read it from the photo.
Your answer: 7:49:39
